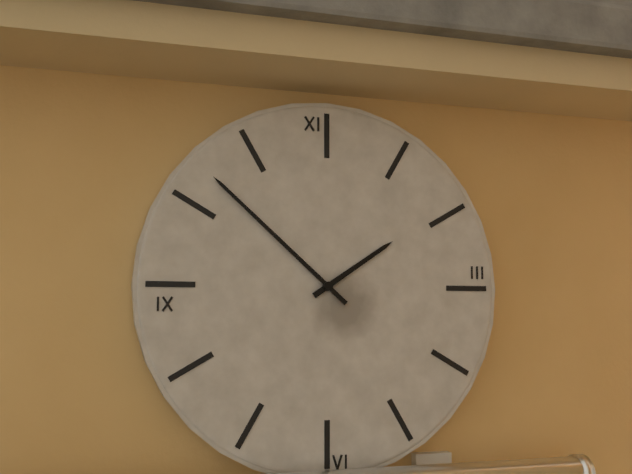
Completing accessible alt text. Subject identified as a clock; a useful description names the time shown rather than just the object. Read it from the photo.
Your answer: 1:52
